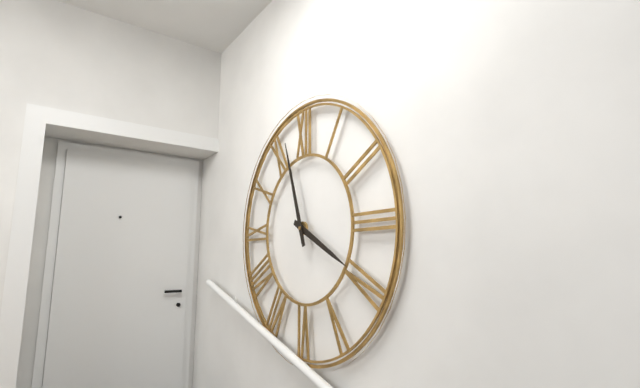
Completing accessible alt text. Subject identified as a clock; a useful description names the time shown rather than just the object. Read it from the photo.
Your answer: 3:57
